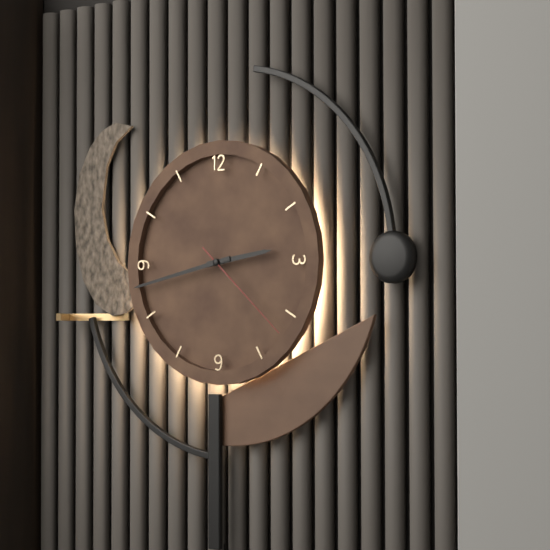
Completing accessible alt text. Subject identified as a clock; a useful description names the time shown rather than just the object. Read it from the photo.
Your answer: 2:43:22
